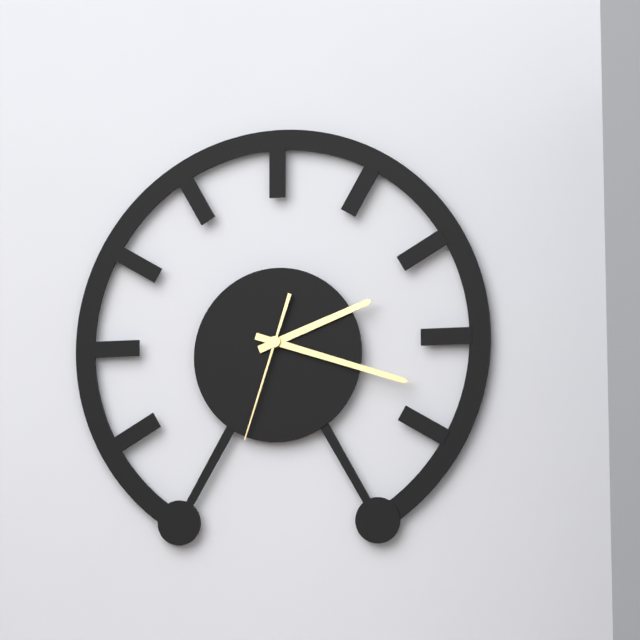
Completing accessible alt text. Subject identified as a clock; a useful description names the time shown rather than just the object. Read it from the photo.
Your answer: 2:18:33
